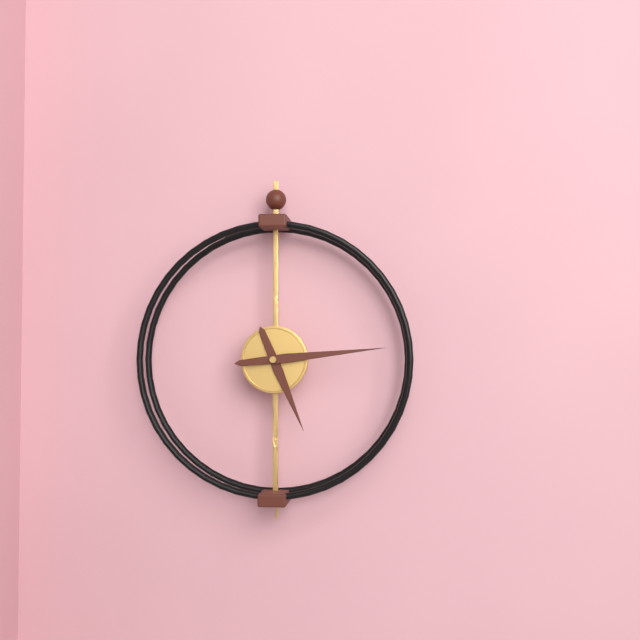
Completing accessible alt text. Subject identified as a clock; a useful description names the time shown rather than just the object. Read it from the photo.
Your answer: 5:14
